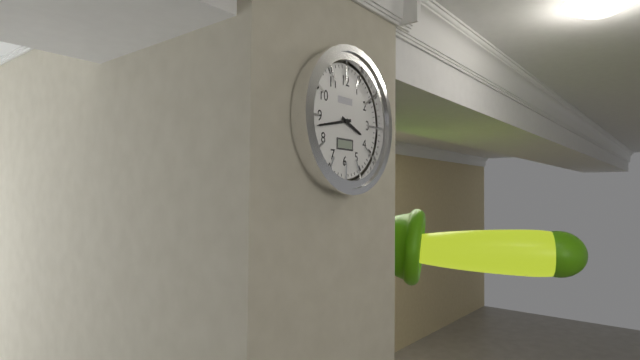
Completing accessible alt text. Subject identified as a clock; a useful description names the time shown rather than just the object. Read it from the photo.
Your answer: 3:43
